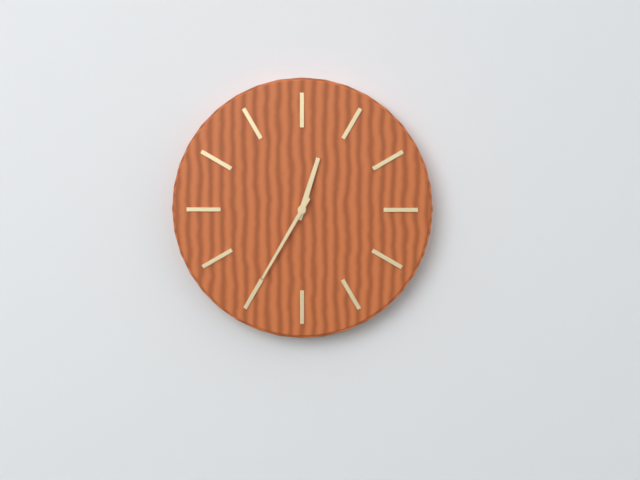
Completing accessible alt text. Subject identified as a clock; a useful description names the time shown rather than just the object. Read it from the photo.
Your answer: 12:35
